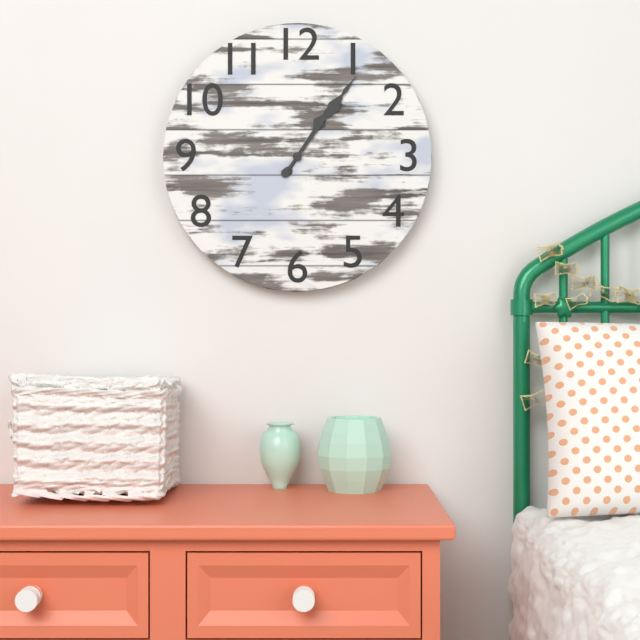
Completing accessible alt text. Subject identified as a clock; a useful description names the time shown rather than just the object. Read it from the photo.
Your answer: 1:06
